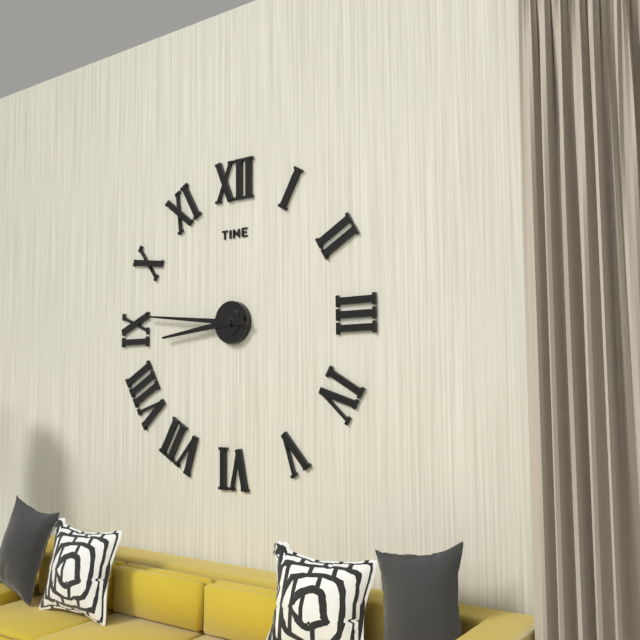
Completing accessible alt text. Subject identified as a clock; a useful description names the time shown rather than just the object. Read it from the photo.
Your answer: 8:46
